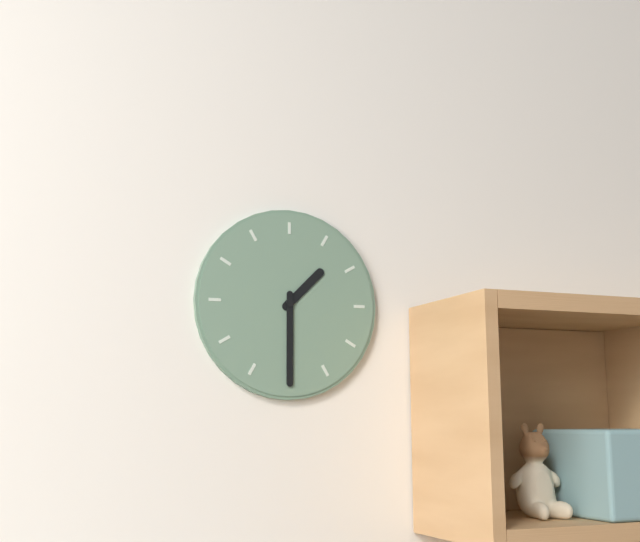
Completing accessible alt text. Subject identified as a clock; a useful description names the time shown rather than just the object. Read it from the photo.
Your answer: 1:30
